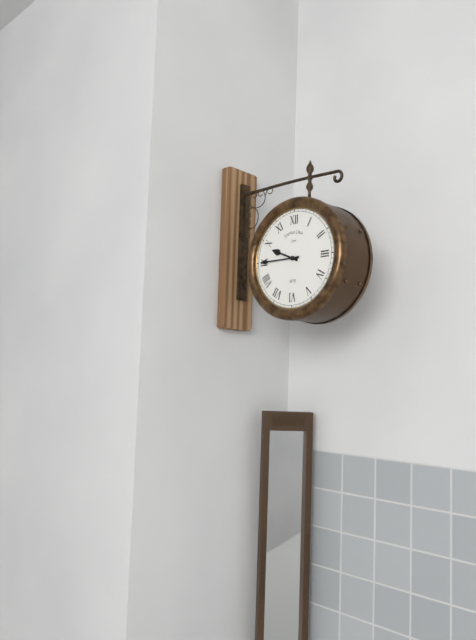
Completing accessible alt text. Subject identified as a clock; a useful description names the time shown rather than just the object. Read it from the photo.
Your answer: 9:45
